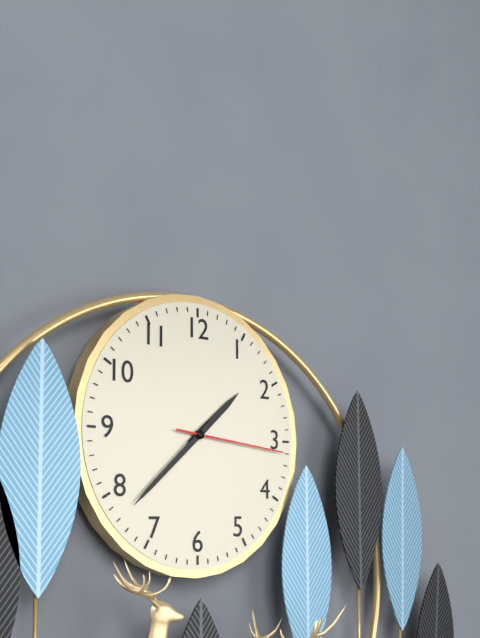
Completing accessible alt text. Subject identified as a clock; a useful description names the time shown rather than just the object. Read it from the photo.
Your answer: 1:38:16
